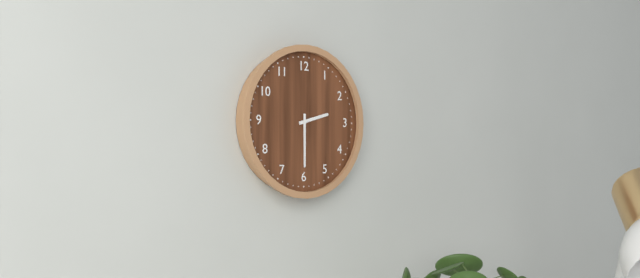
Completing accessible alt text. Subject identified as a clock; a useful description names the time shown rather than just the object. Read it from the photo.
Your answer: 2:30
